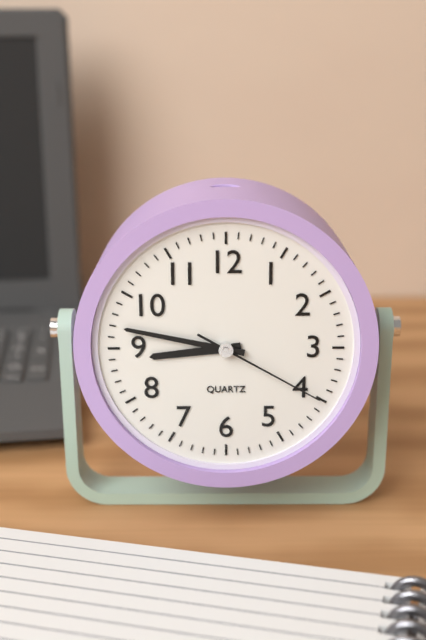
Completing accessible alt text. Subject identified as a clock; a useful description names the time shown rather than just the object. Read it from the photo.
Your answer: 8:47:20
